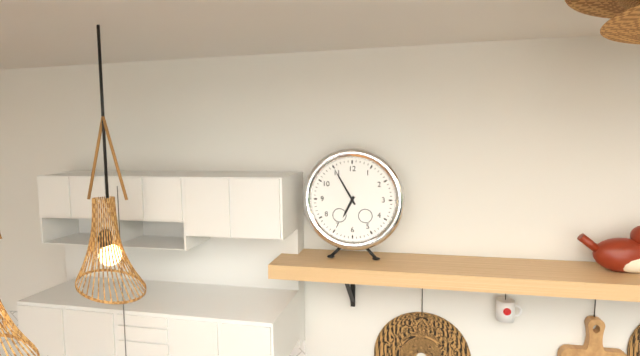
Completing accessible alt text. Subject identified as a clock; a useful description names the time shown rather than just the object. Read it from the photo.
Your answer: 6:55
